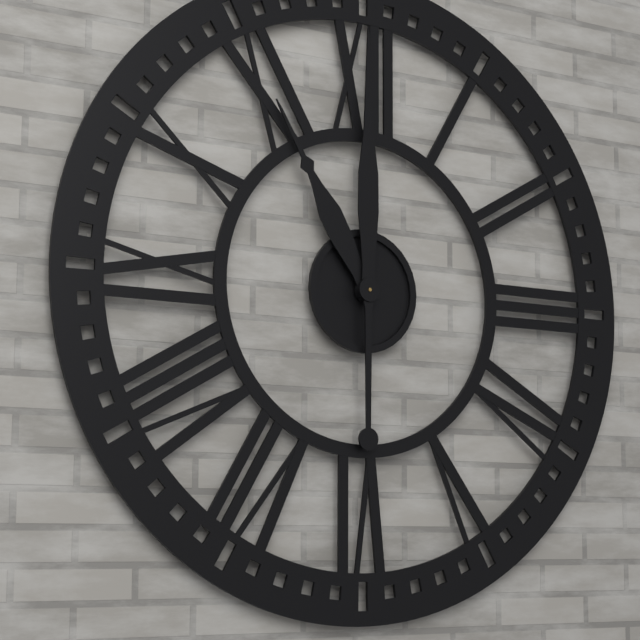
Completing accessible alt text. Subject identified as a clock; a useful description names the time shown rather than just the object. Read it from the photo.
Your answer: 11:00
